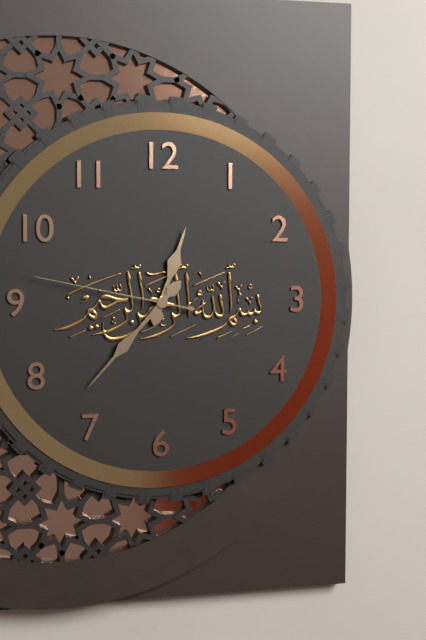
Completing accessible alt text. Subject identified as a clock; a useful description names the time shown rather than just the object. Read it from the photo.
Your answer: 12:37:47
